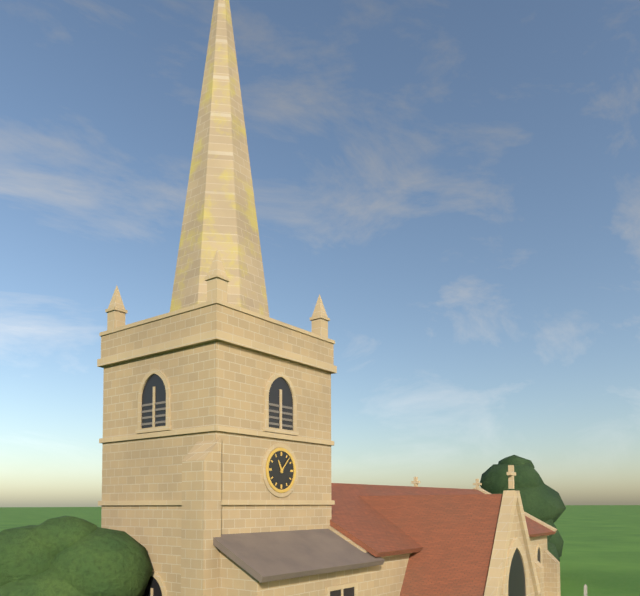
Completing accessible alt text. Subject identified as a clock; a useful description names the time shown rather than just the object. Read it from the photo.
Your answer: 11:07
